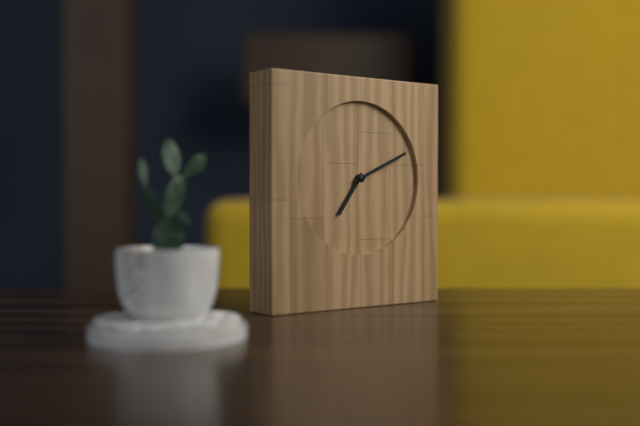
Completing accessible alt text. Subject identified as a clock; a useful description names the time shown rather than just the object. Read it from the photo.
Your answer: 7:11
